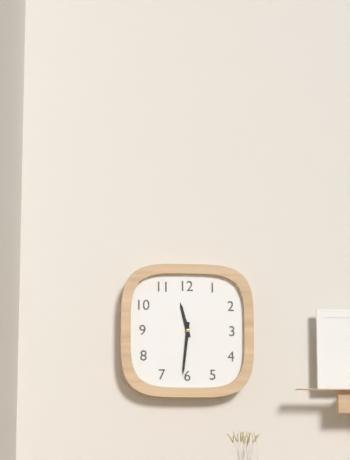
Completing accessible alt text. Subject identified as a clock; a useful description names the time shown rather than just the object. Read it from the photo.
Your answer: 11:31
